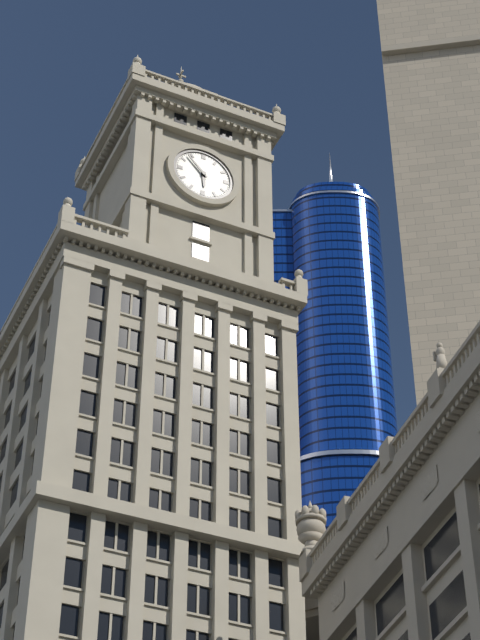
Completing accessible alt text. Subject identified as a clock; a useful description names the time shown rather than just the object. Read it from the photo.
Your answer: 5:53
